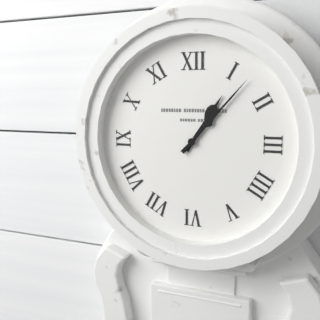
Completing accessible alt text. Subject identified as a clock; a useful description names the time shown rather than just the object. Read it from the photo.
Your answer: 1:07
